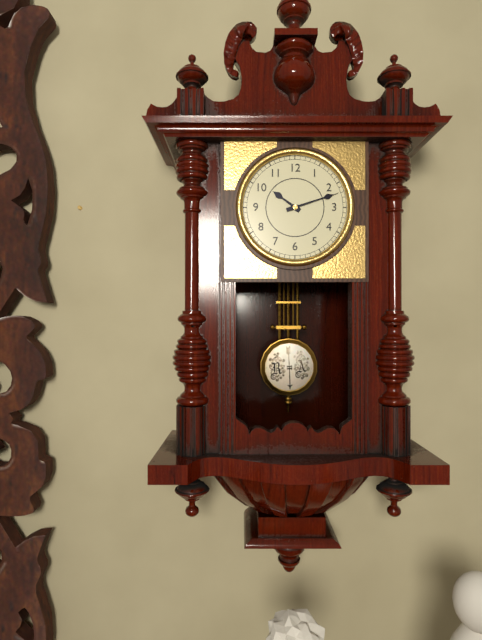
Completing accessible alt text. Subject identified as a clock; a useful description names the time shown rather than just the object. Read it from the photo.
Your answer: 10:12
